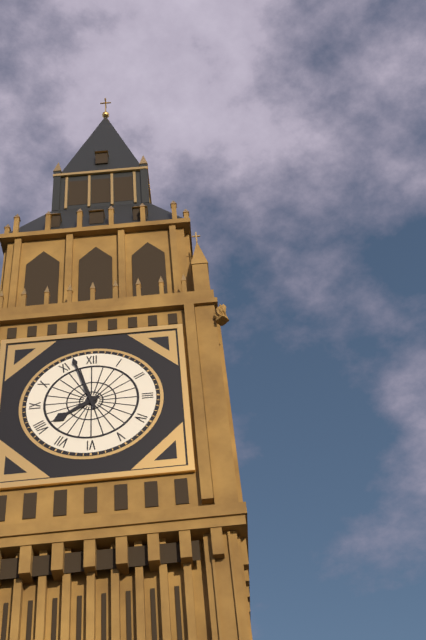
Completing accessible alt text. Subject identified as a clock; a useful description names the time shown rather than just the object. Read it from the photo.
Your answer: 7:57
